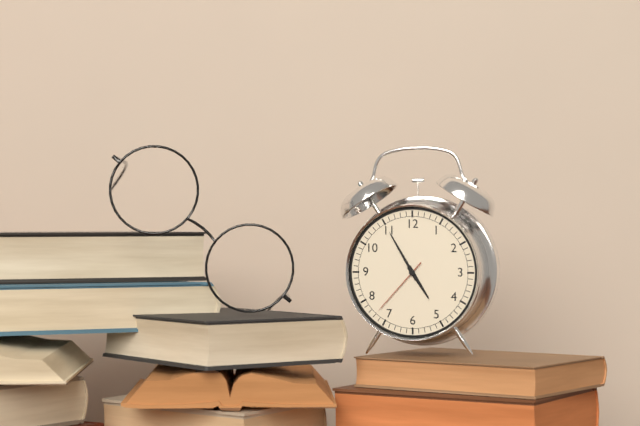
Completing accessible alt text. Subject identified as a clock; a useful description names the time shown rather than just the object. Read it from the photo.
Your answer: 4:55:37
